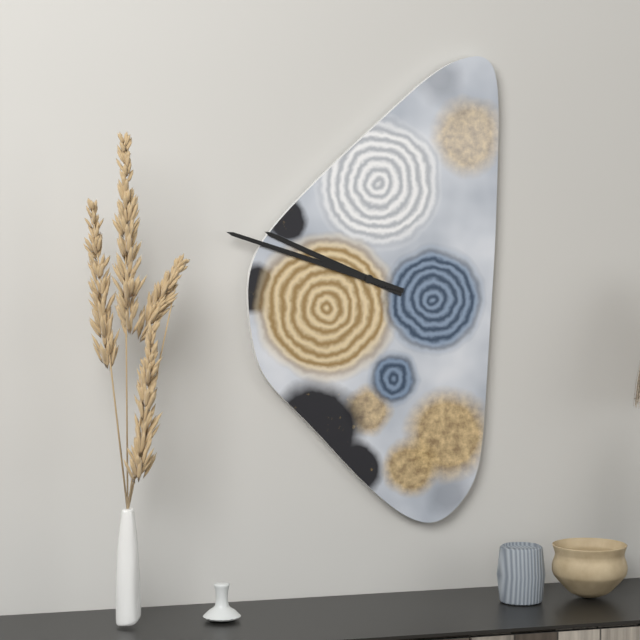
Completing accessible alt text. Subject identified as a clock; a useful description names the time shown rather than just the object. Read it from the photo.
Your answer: 9:48
